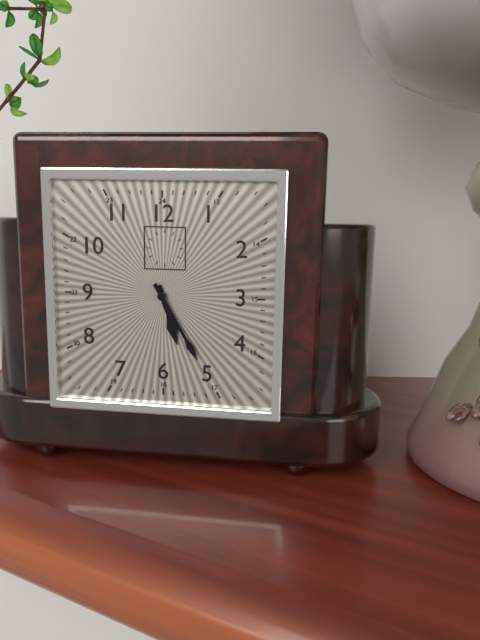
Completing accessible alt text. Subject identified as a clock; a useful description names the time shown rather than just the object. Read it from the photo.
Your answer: 5:25
